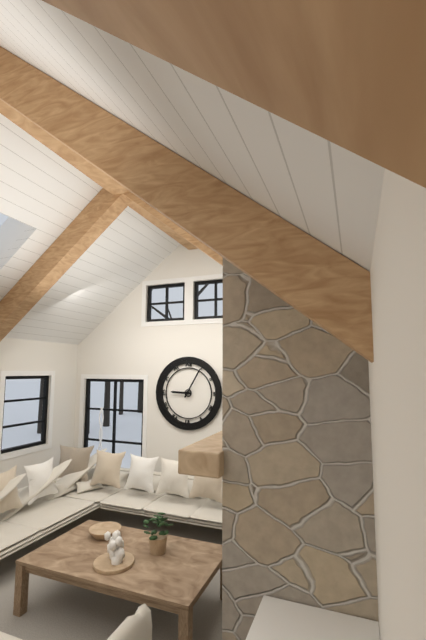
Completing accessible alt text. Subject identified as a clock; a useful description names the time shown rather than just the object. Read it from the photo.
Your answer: 9:05
